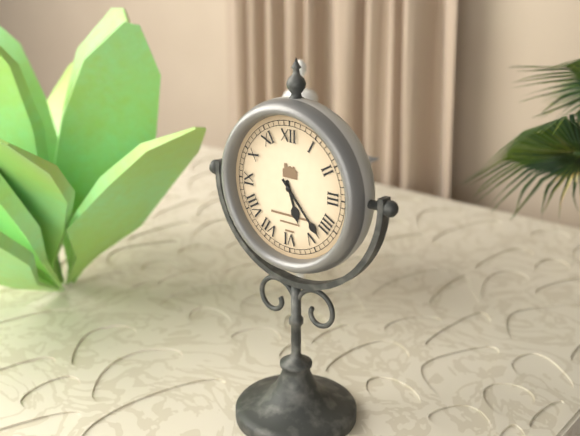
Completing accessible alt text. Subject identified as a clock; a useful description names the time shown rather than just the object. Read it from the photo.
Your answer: 5:23
